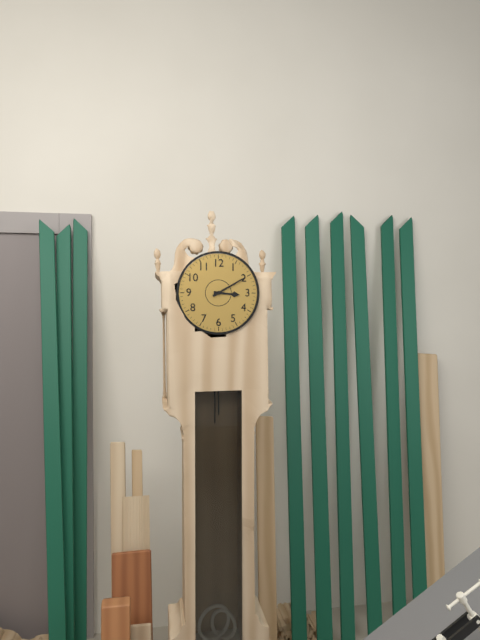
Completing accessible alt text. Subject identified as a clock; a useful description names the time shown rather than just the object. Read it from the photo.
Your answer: 3:10
